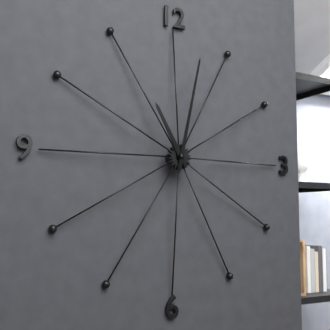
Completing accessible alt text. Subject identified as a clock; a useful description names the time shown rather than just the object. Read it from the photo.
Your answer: 11:02
